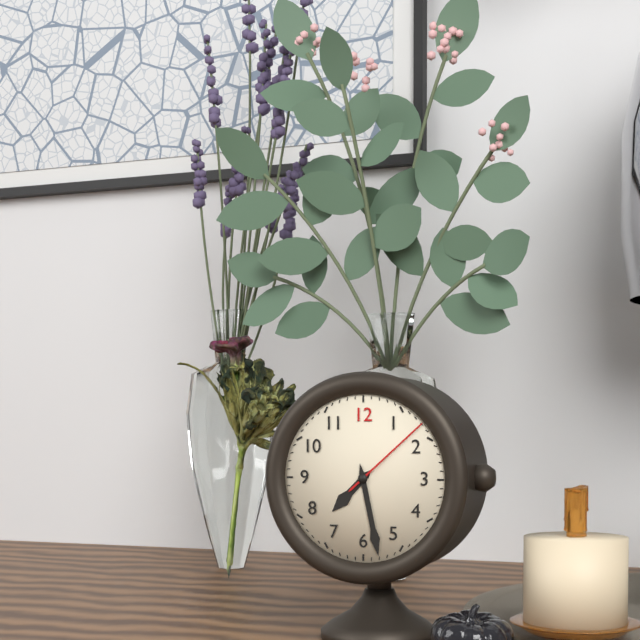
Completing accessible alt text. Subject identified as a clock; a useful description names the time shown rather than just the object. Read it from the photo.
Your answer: 7:28:08
